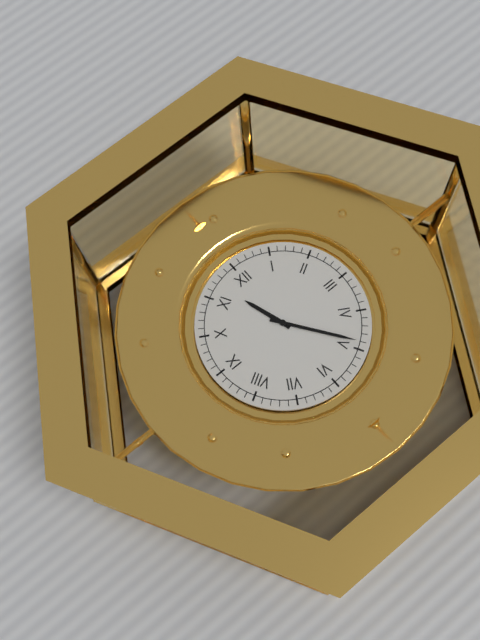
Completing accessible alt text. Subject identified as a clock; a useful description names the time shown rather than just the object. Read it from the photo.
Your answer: 11:24
